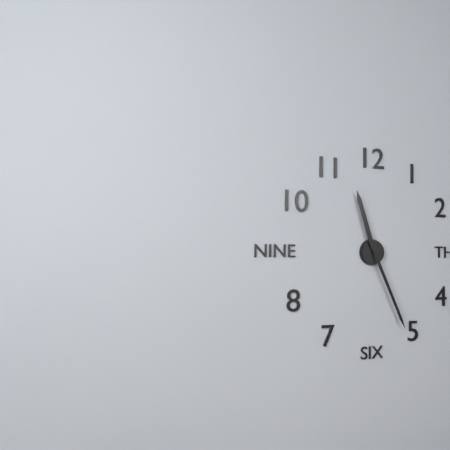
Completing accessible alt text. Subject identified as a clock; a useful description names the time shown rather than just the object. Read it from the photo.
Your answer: 11:26
